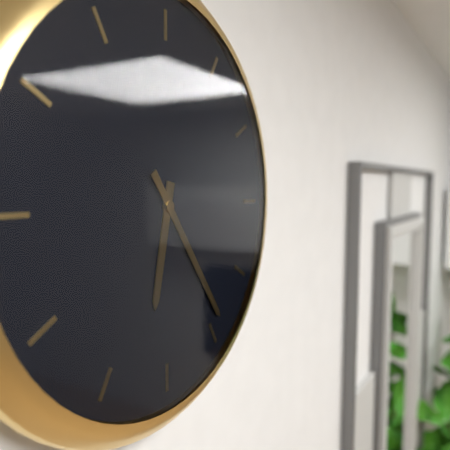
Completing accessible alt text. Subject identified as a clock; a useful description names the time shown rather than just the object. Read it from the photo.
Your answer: 6:24
